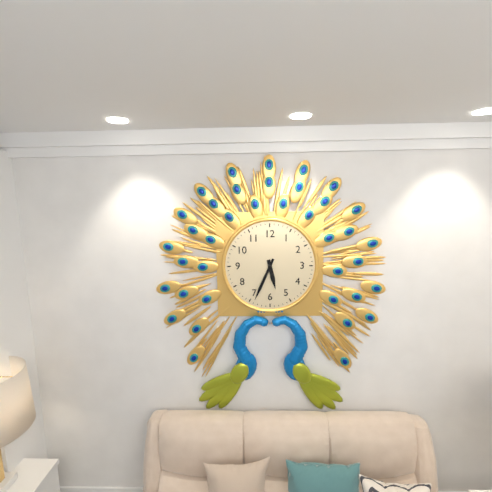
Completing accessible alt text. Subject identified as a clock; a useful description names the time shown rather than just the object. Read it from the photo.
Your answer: 5:34
